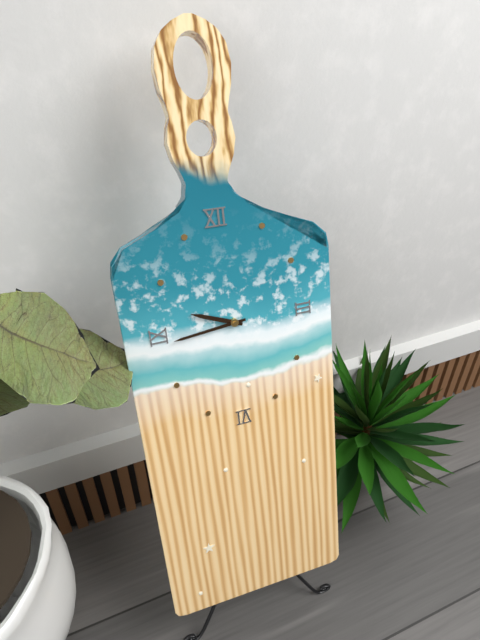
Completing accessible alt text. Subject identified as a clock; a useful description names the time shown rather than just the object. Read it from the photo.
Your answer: 9:44
